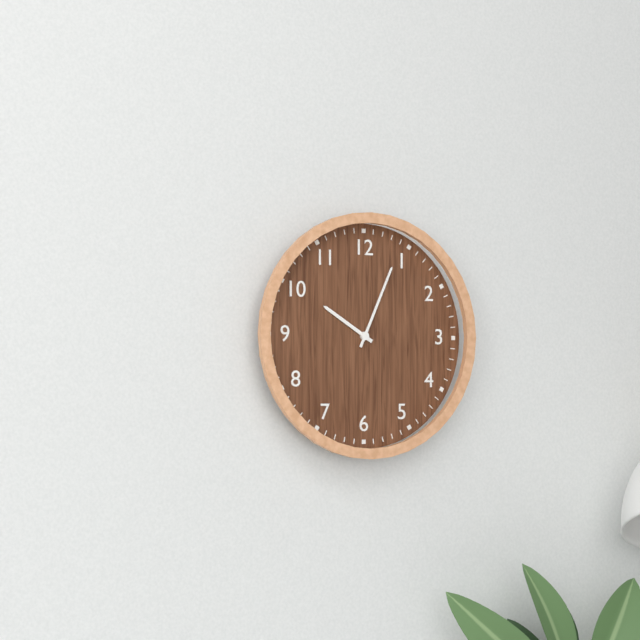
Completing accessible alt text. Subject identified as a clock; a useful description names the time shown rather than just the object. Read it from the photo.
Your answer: 10:04
